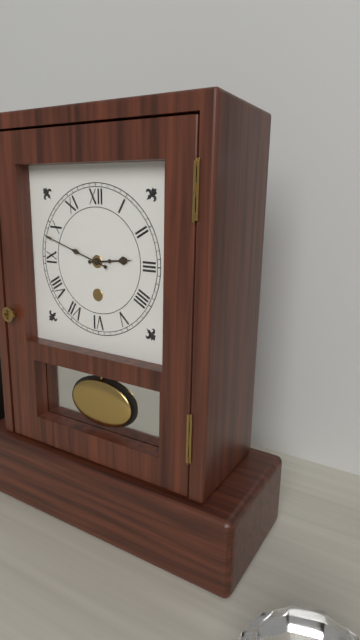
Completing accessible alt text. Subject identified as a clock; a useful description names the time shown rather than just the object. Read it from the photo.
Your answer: 2:48
